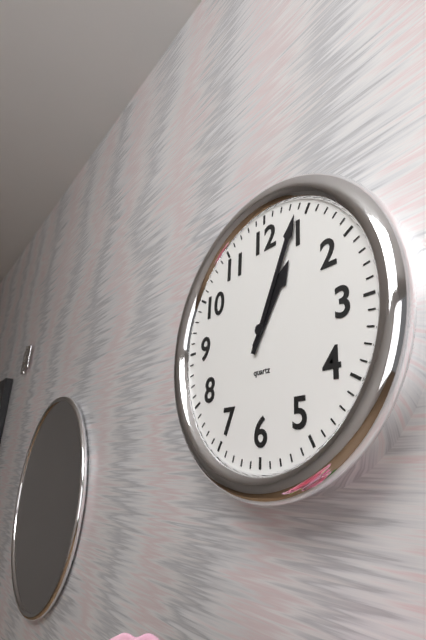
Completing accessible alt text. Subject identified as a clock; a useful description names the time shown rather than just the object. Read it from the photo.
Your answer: 1:04
